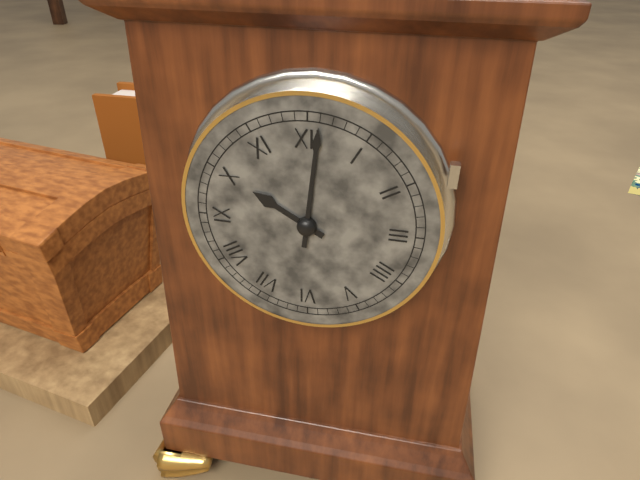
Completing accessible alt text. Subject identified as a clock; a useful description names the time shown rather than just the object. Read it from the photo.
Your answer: 10:01
